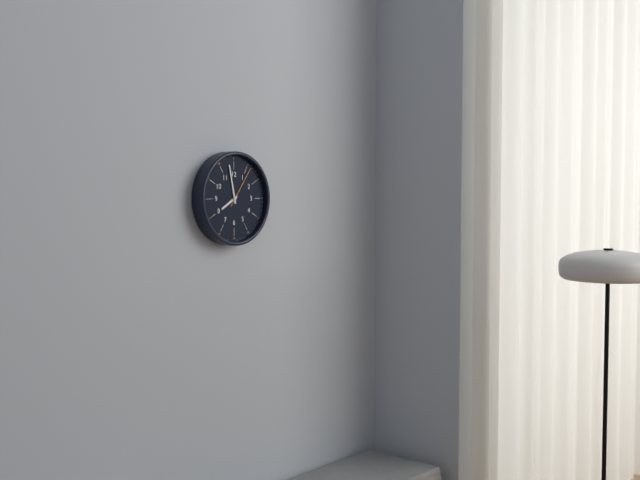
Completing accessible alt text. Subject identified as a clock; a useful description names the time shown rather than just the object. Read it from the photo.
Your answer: 7:58
